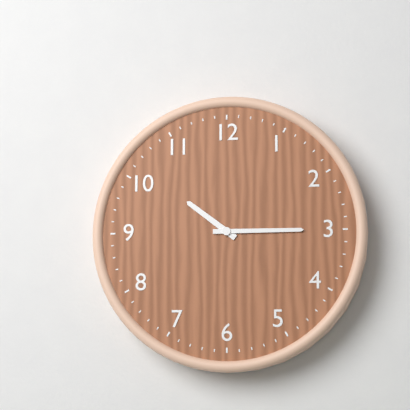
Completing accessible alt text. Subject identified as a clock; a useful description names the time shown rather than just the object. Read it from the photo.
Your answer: 10:15
